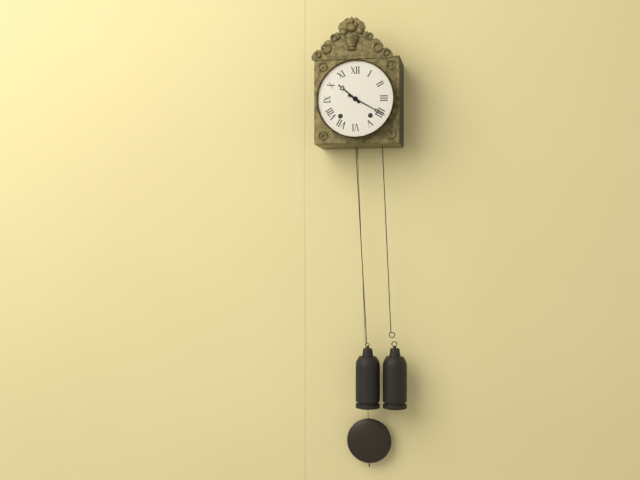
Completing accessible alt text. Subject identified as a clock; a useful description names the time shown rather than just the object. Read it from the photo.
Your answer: 10:20
